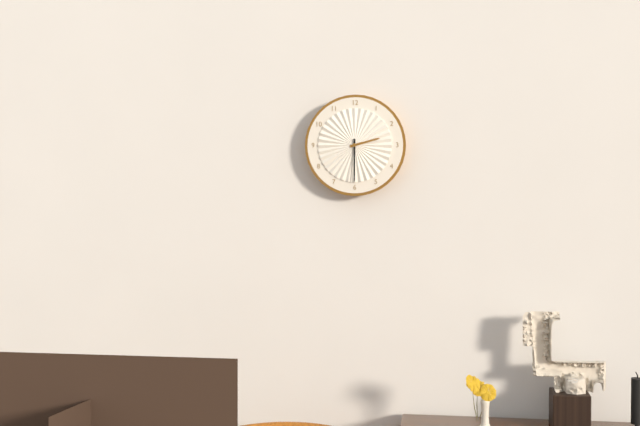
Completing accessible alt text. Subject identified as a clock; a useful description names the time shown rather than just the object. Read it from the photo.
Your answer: 2:30
